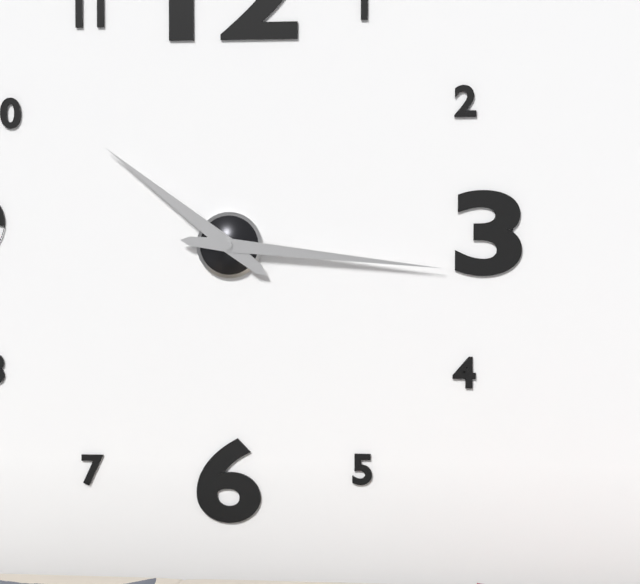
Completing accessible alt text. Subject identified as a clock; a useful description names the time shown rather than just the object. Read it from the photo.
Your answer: 10:16
